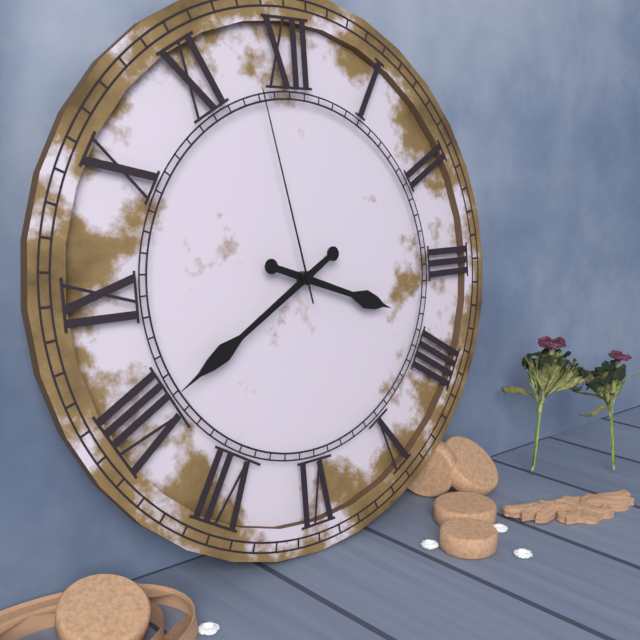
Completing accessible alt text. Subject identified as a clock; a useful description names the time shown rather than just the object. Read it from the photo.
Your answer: 3:40:58
